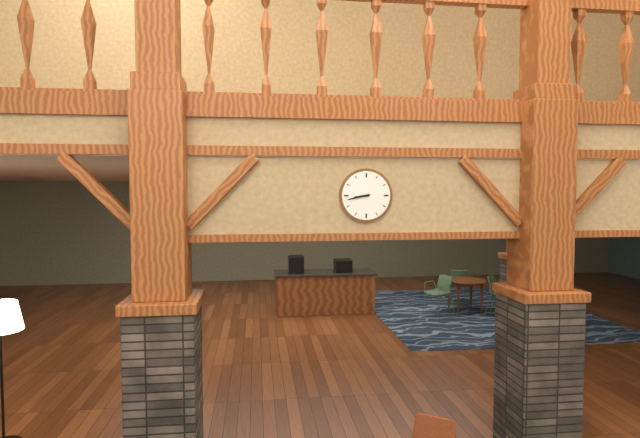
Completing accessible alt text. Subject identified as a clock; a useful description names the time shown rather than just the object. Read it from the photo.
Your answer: 8:43
